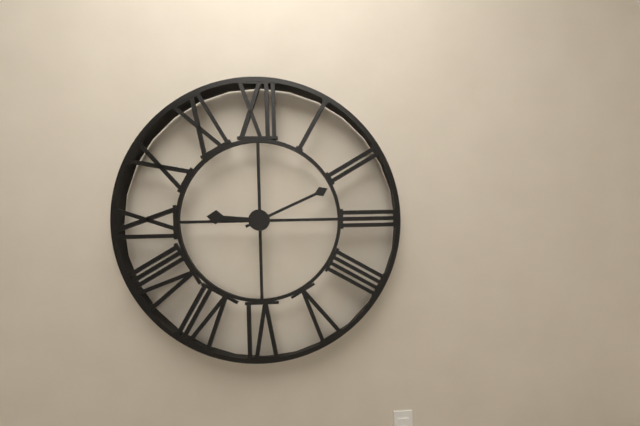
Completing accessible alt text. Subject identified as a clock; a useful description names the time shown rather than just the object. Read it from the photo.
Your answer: 9:11
